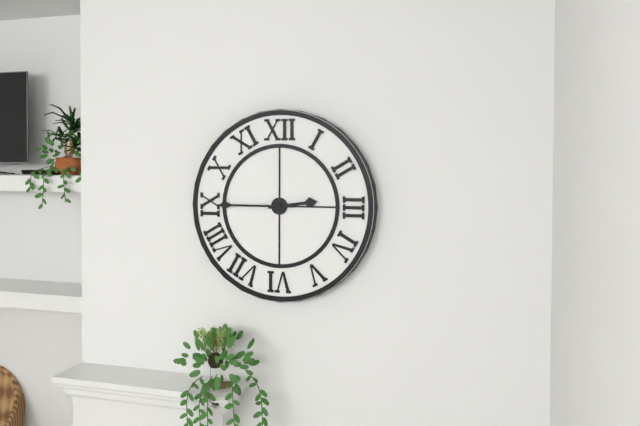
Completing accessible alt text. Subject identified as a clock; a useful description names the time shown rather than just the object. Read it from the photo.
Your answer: 2:45
